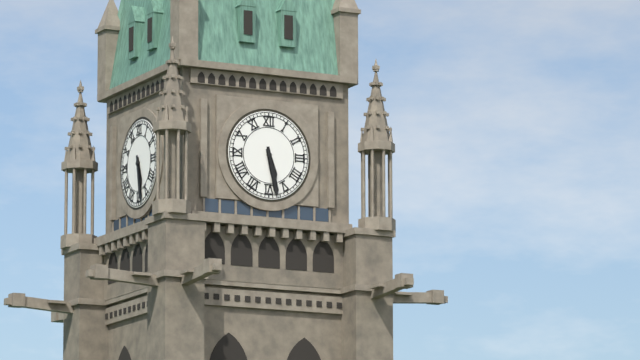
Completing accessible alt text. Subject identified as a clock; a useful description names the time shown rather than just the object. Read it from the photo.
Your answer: 5:28
